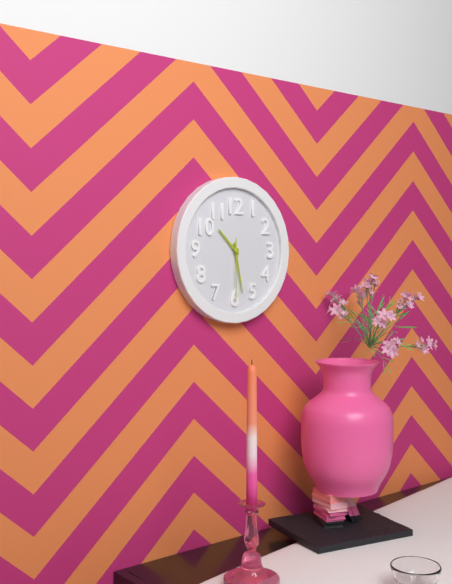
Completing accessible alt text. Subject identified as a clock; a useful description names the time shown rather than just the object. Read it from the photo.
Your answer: 10:28:30
